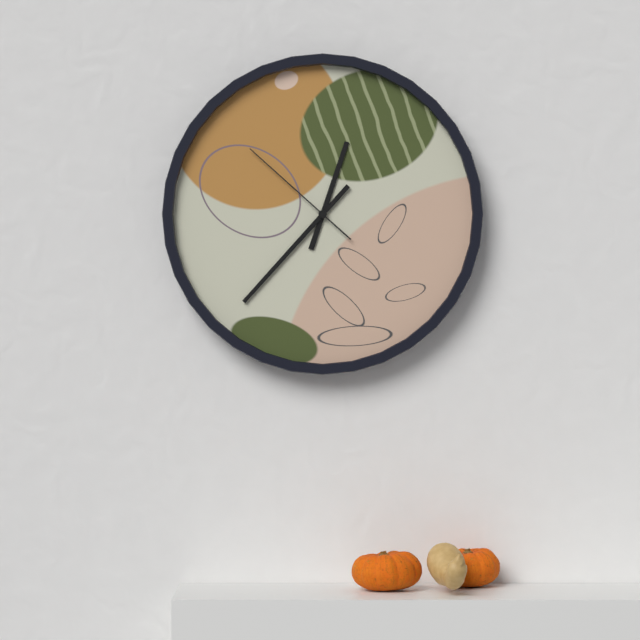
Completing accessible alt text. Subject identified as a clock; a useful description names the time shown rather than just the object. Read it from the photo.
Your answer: 12:37:52
